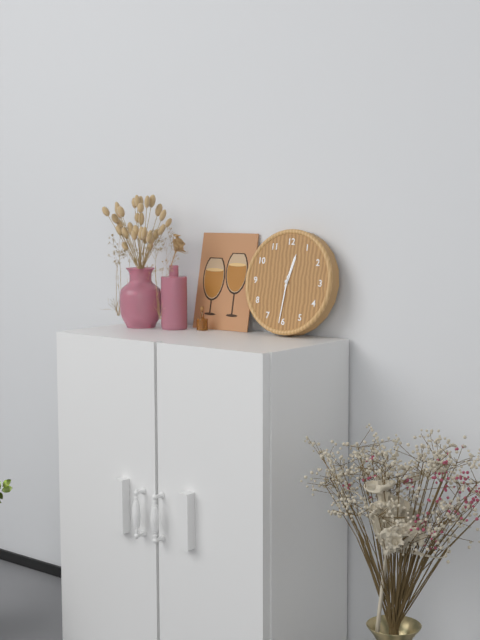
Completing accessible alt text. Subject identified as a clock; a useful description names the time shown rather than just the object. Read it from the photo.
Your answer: 12:31
